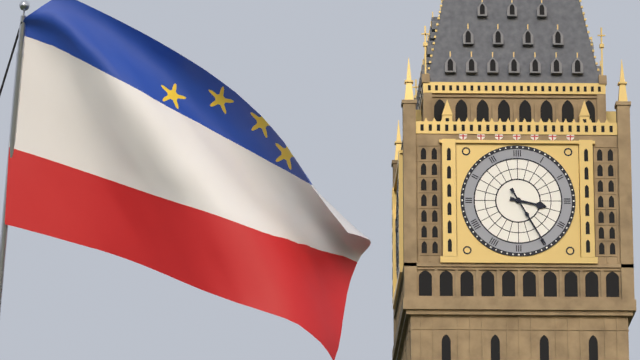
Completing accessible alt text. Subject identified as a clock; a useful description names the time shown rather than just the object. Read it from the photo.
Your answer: 3:25
